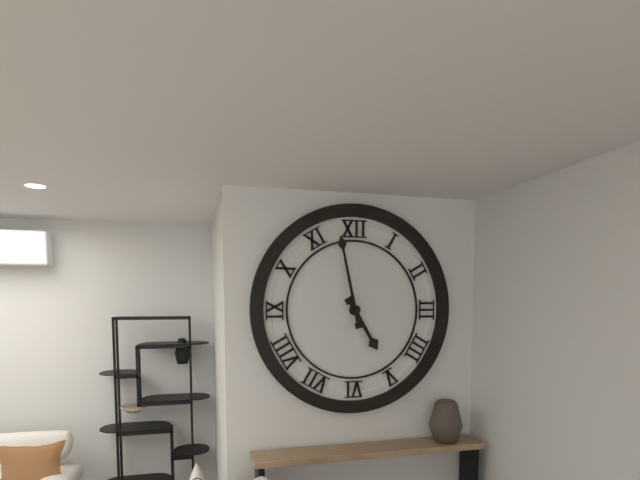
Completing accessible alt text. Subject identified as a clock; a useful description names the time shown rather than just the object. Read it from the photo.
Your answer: 4:58
